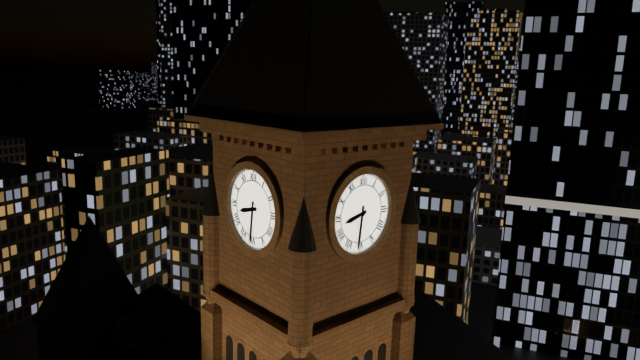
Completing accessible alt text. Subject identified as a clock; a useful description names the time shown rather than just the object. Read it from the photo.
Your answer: 8:31
